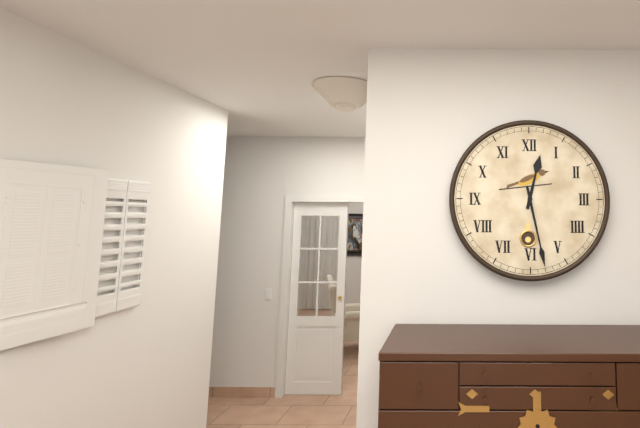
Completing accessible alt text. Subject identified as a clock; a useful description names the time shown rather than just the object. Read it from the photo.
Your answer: 12:28
